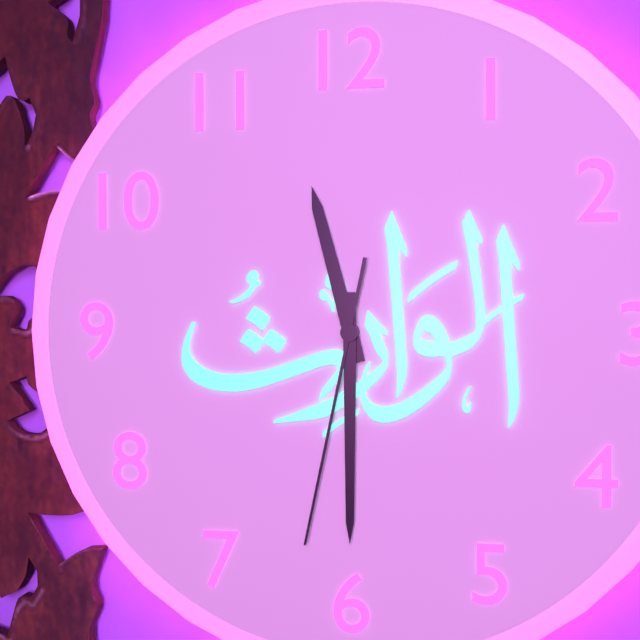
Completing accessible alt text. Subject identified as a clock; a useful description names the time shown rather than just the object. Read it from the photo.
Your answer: 11:30:32
